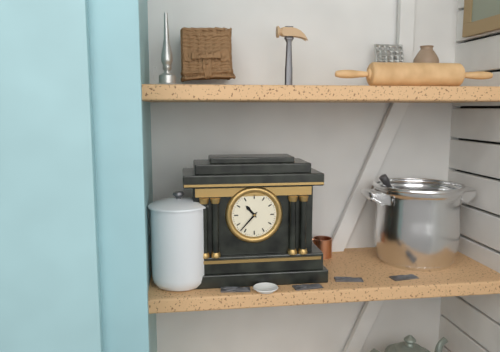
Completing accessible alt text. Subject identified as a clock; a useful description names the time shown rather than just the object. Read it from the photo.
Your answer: 10:37
